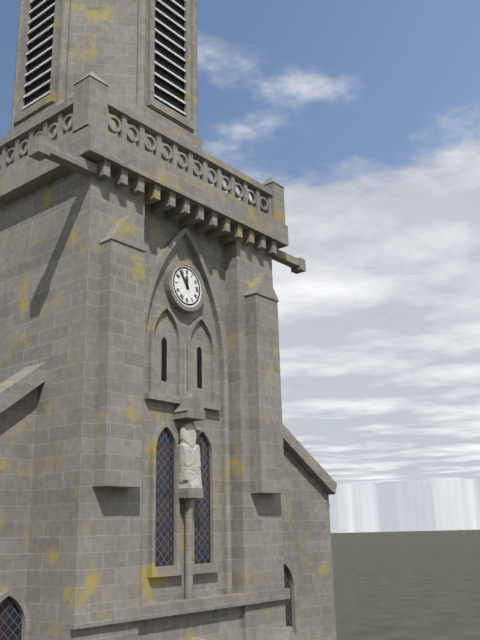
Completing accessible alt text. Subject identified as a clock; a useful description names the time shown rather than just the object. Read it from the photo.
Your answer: 11:54
